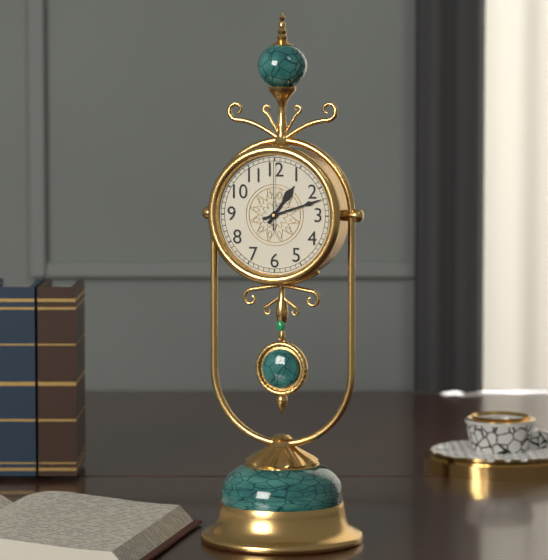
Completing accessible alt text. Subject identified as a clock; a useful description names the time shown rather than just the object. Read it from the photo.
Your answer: 1:12:00
